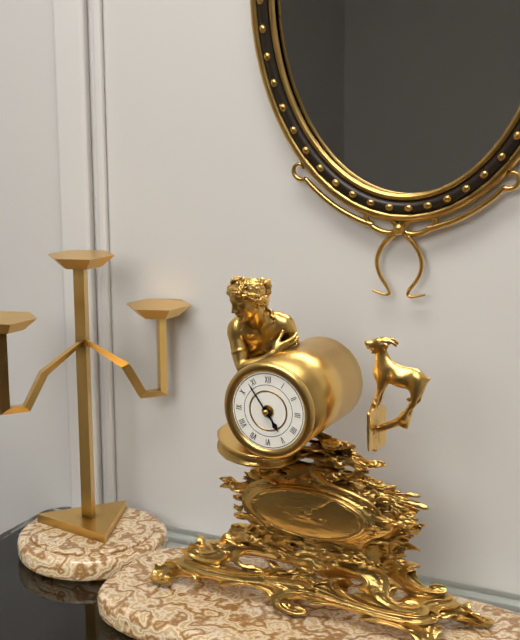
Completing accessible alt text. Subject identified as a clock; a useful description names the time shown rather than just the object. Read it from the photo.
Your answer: 4:54
